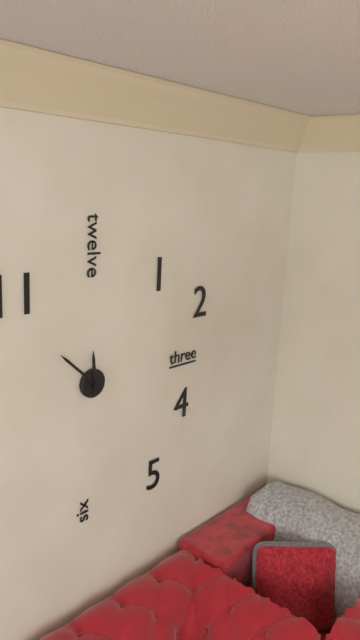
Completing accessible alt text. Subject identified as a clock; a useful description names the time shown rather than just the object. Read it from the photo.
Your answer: 11:52
